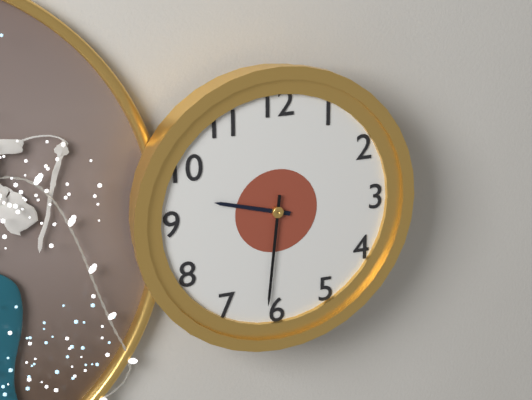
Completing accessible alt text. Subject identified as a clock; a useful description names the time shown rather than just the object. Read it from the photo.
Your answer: 9:31
